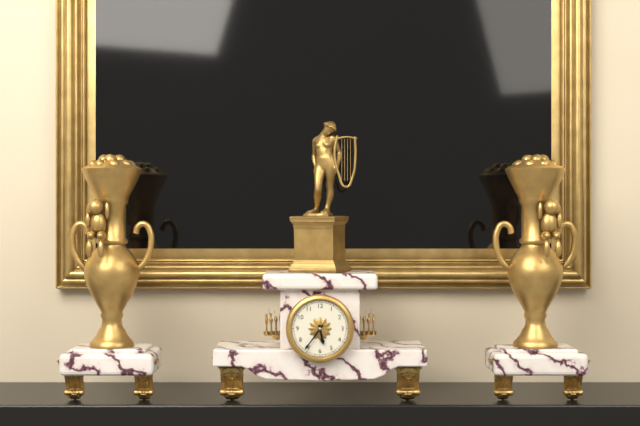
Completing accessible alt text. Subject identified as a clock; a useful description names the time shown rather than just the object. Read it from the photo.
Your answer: 5:36
